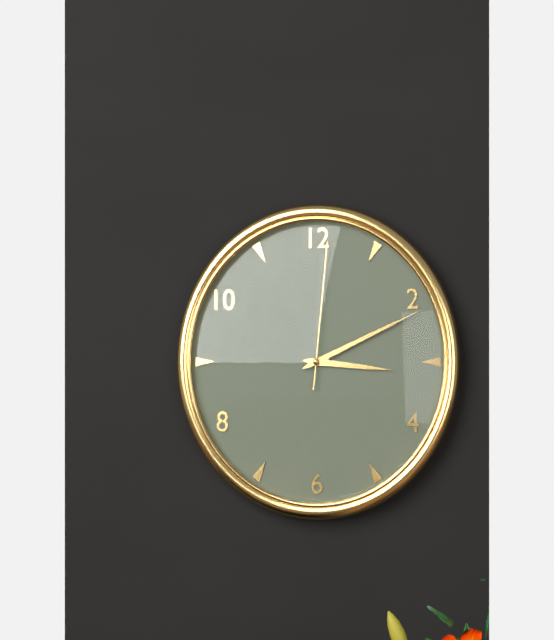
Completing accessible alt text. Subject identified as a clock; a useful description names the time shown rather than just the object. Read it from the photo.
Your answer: 3:11:01
